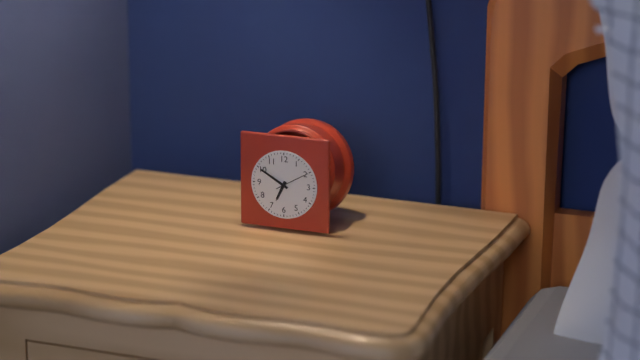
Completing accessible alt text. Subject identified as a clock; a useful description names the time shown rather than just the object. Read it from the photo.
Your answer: 6:50
